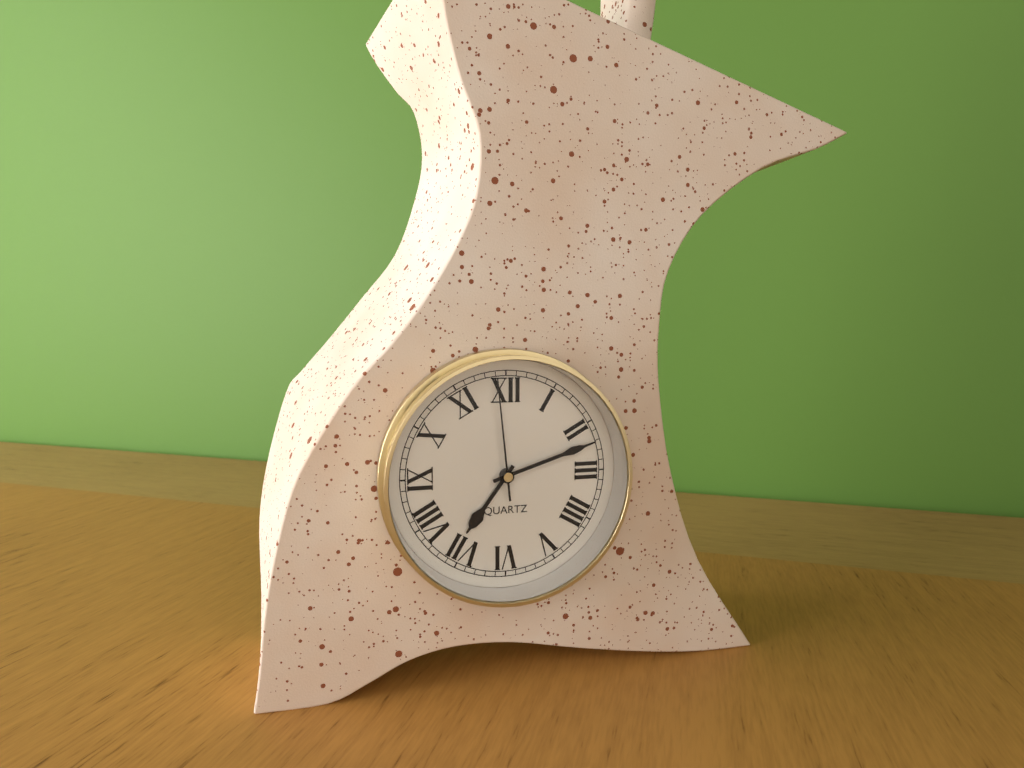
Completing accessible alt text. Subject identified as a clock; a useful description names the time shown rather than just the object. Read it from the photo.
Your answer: 7:12:59
